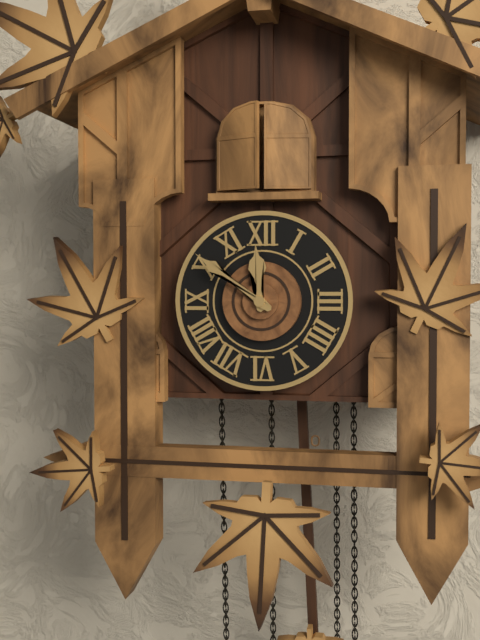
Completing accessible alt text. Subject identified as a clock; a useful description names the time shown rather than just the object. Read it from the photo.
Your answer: 11:51
